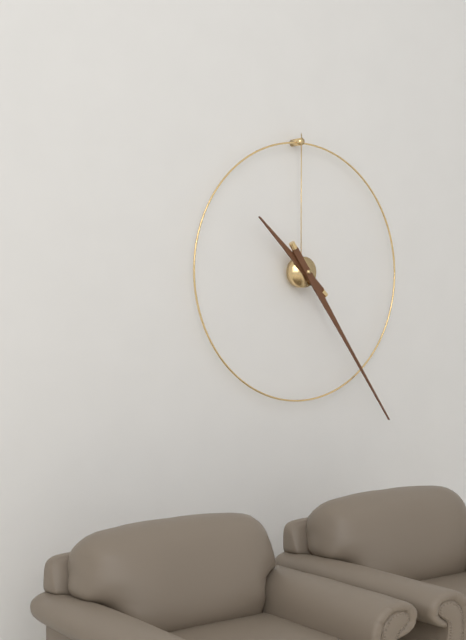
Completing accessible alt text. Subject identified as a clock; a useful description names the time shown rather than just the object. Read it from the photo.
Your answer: 10:24
